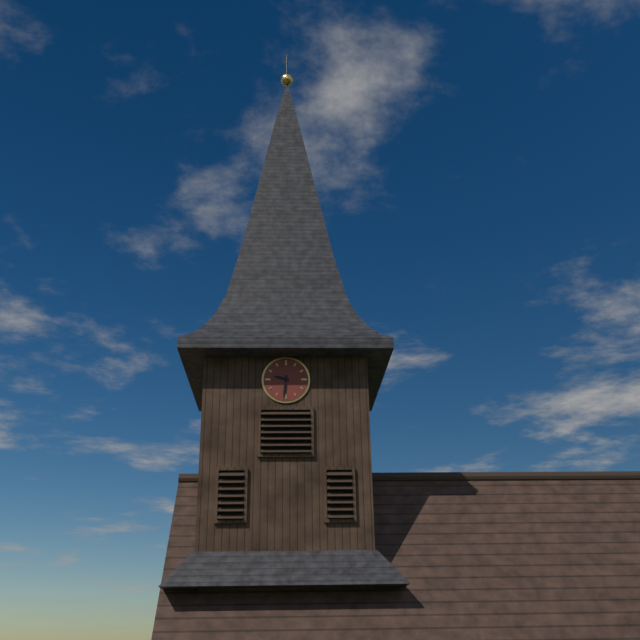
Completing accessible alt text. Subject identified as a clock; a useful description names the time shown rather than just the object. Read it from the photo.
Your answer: 9:31
